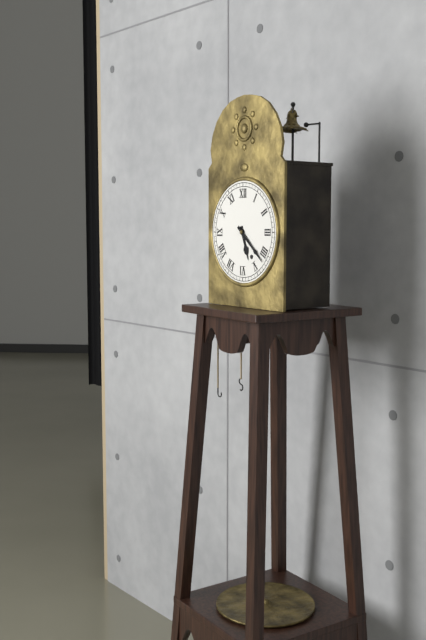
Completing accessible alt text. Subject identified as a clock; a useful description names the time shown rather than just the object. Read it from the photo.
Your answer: 5:22
